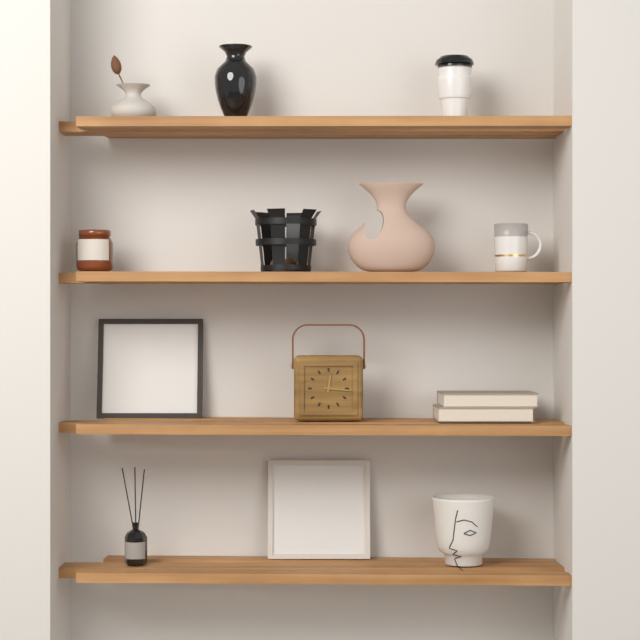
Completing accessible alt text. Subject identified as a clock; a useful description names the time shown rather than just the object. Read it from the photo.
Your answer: 12:16
